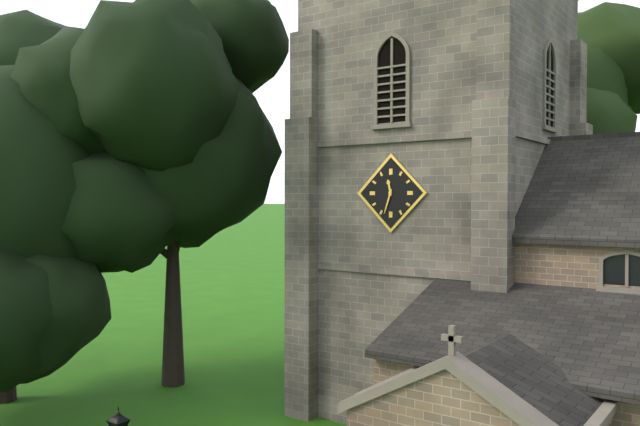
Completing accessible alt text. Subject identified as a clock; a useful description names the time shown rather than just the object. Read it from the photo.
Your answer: 11:33
